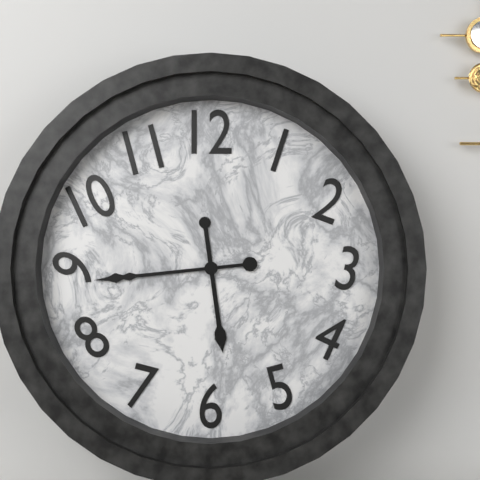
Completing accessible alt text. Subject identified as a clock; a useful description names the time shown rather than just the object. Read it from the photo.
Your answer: 5:44
